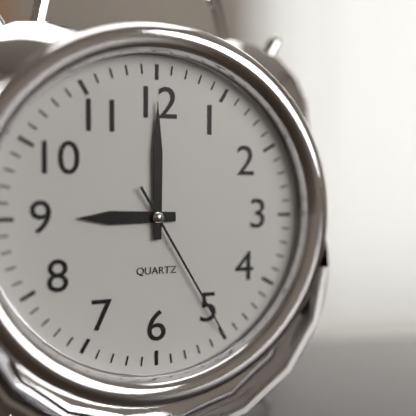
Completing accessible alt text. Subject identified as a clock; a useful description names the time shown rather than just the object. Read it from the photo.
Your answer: 9:00:25
